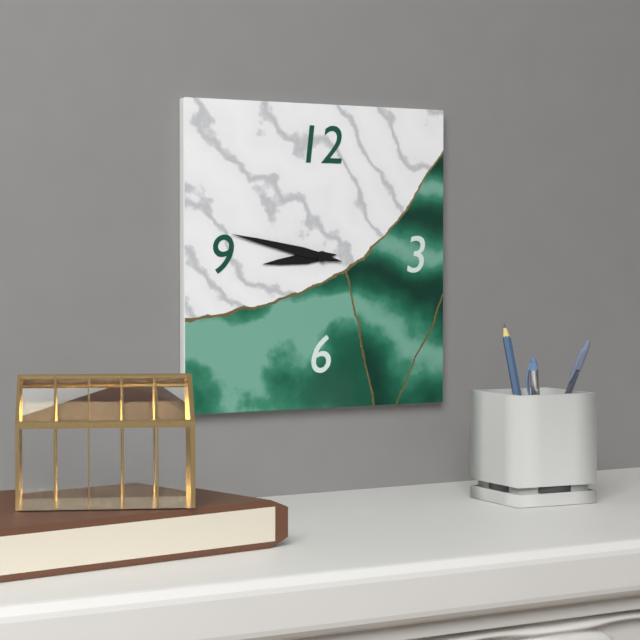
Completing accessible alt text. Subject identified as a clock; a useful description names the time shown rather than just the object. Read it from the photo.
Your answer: 8:47
